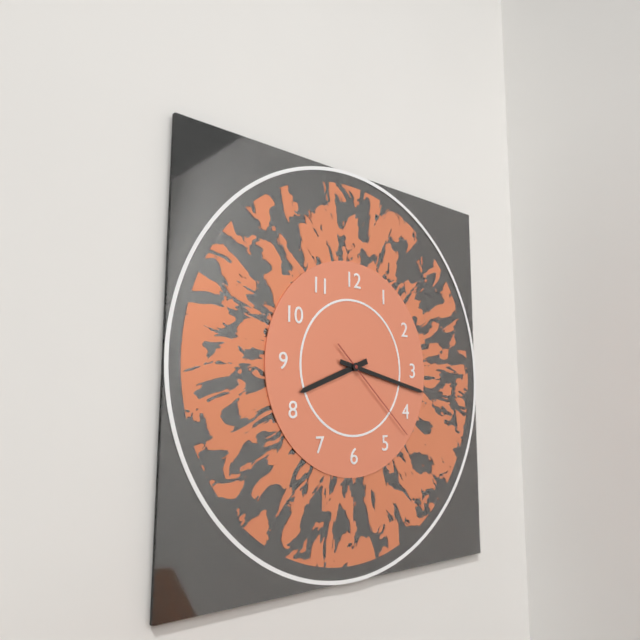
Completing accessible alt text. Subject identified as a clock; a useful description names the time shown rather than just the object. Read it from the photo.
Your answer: 8:17:22
